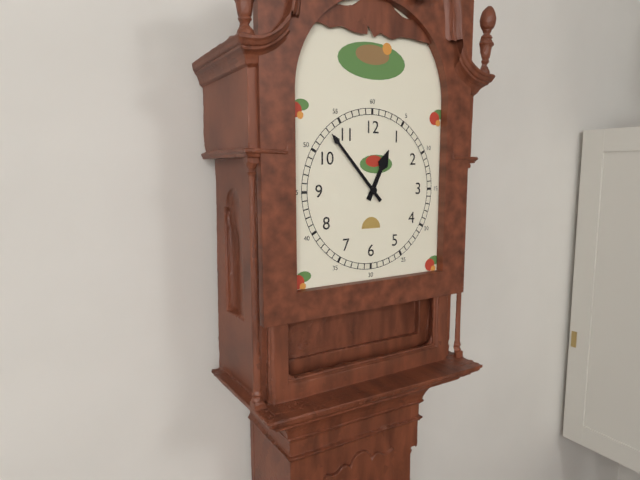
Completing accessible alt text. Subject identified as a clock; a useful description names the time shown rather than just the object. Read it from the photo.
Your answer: 12:53
